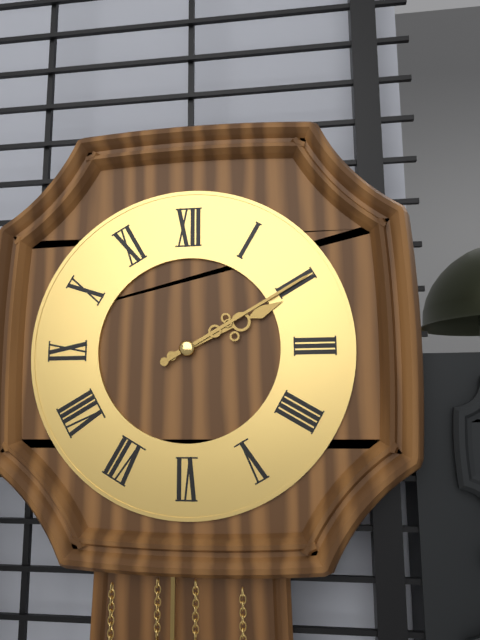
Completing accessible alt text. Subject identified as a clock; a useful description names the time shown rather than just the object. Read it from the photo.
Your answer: 2:10
